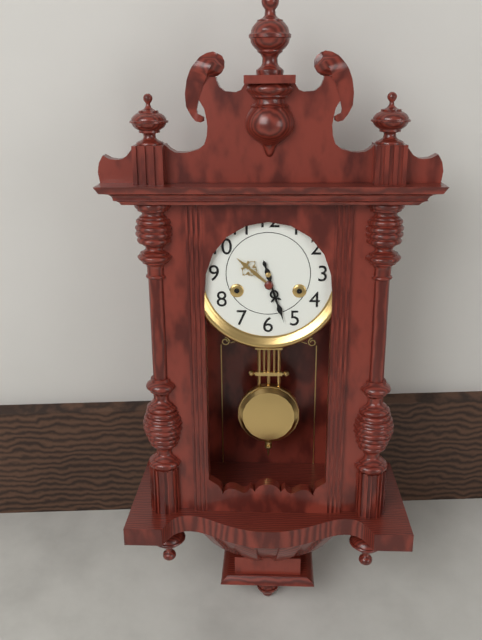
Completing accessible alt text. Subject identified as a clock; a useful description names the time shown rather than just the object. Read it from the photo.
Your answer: 5:27
